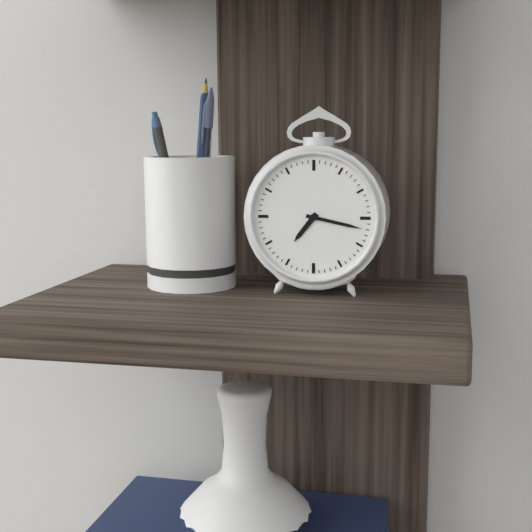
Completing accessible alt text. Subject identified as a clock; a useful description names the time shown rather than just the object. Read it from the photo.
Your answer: 7:17
